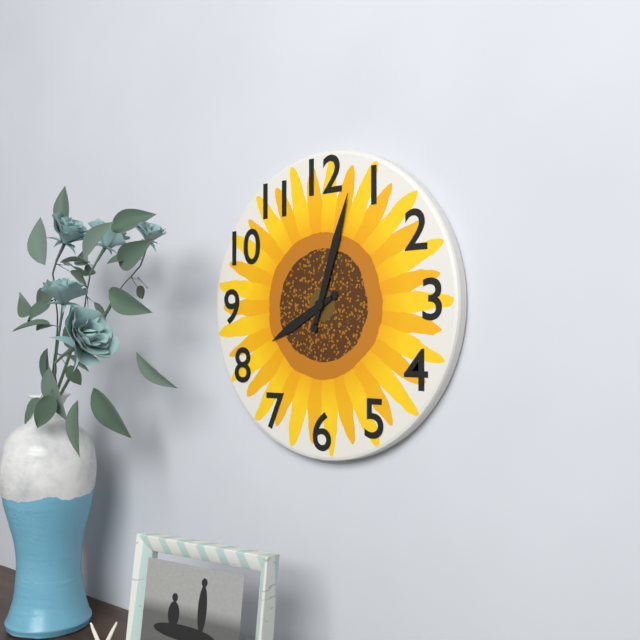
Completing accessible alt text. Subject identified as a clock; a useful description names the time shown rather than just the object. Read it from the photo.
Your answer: 8:03
